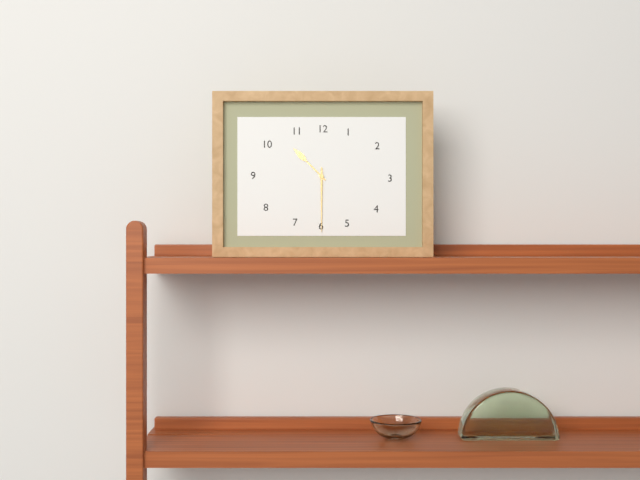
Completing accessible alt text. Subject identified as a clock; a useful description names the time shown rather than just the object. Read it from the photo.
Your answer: 10:30
